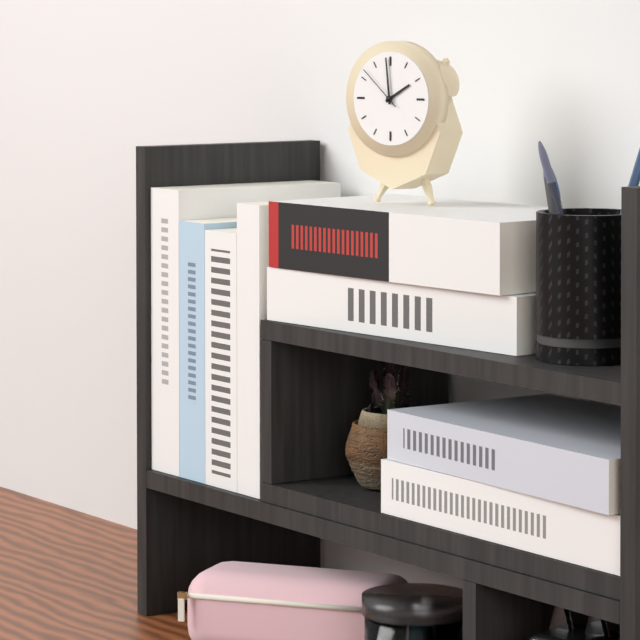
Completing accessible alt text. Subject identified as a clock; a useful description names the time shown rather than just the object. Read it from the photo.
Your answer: 1:59:52
